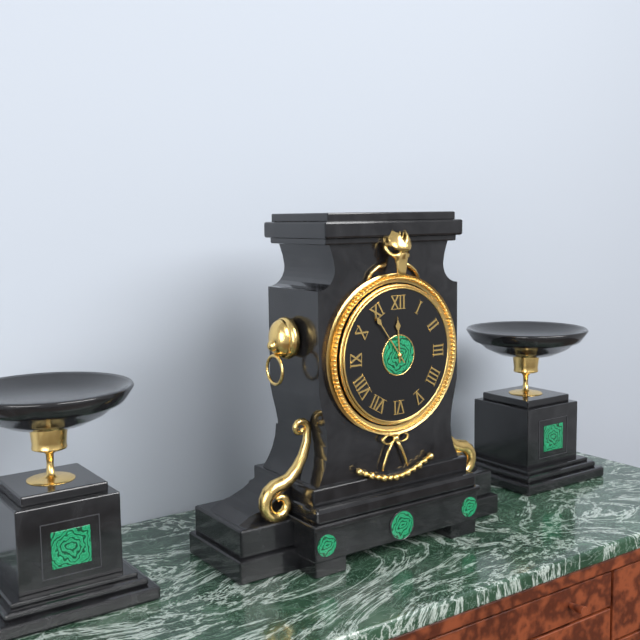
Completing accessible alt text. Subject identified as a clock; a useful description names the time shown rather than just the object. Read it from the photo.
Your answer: 11:54
